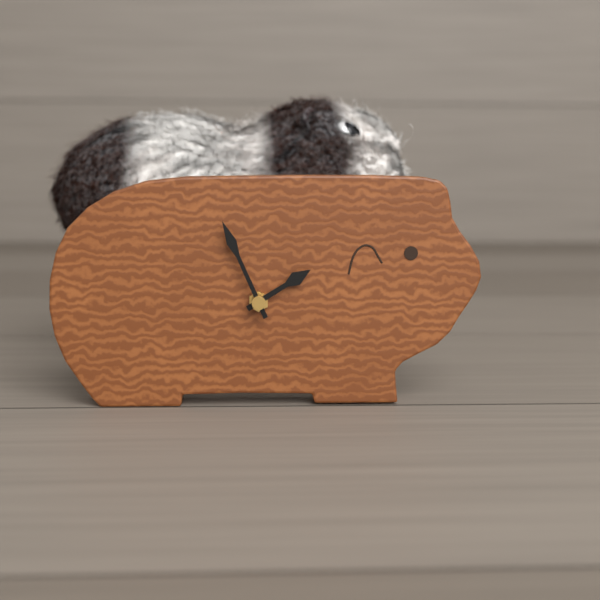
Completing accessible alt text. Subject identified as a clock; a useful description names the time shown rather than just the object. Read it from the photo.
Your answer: 1:56
